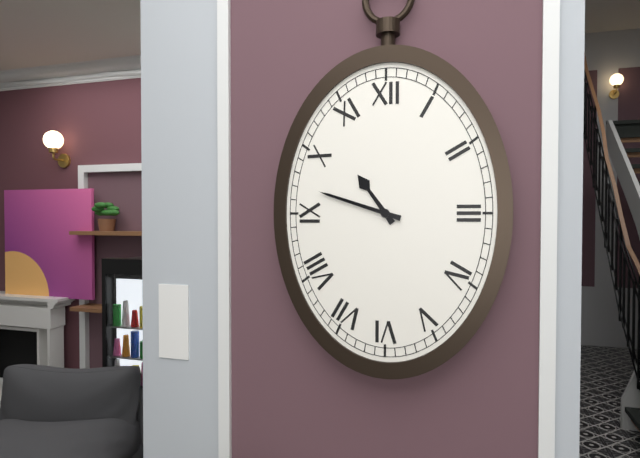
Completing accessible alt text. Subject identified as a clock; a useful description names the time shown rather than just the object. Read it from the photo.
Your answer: 10:48
